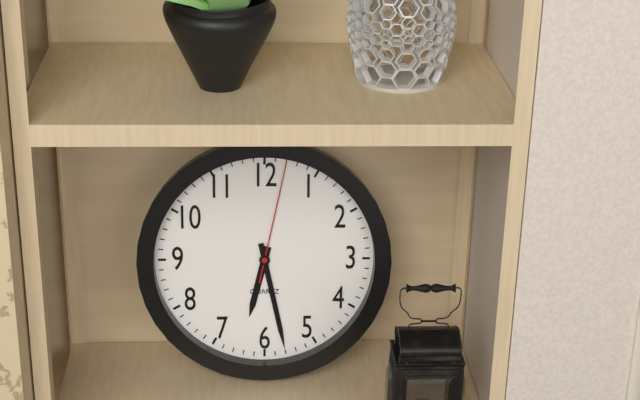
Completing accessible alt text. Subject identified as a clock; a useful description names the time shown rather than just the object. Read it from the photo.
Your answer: 6:28:02
